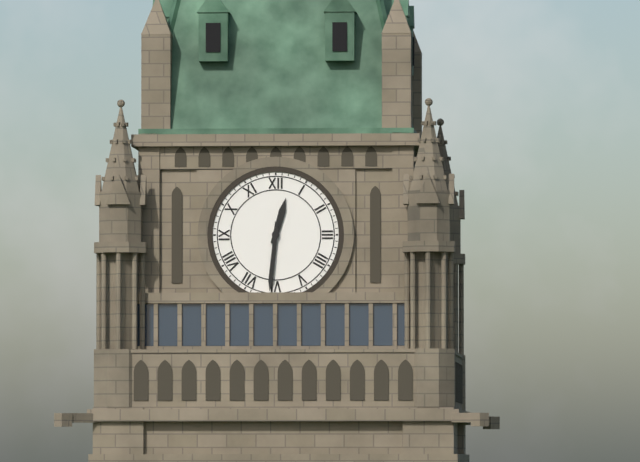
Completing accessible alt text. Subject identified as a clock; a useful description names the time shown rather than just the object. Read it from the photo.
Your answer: 12:31
